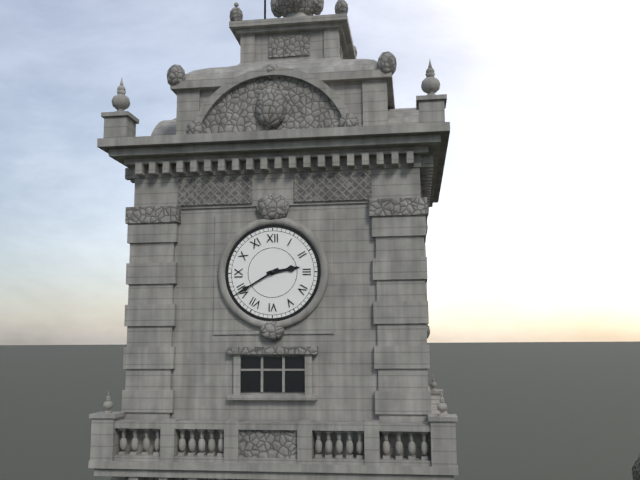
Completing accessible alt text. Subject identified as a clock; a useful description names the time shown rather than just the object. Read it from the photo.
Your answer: 2:40
